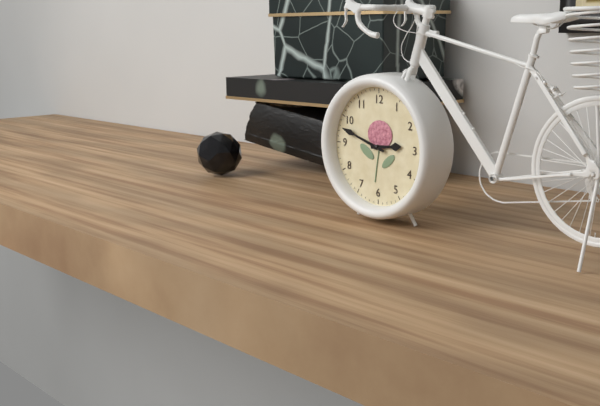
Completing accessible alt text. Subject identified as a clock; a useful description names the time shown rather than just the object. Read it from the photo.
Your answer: 2:48
